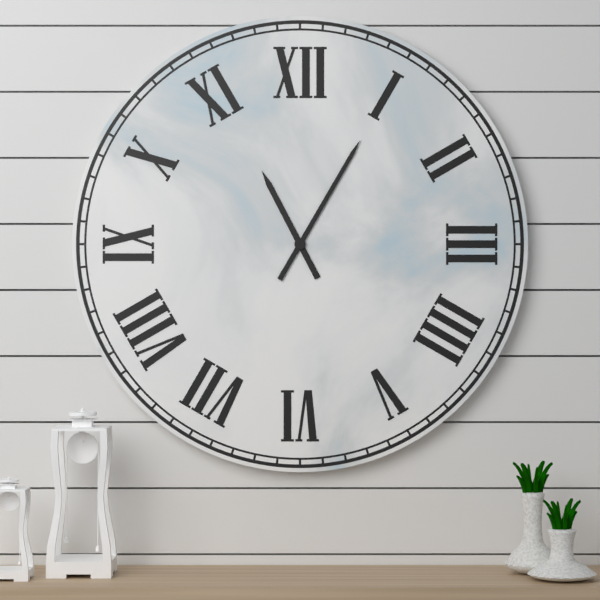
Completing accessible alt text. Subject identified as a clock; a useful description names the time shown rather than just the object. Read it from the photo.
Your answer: 11:05
